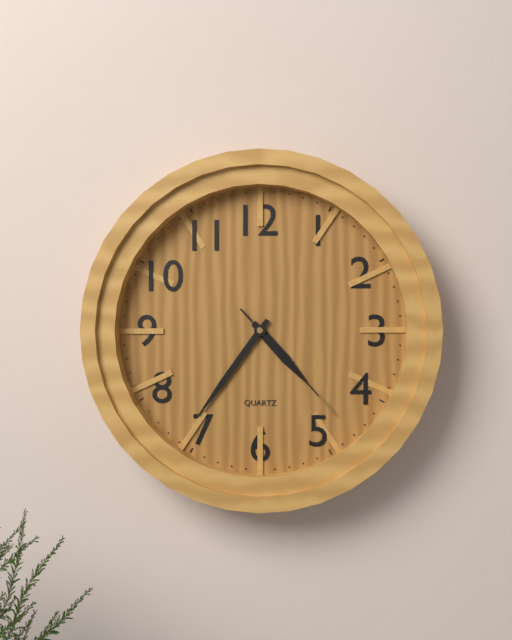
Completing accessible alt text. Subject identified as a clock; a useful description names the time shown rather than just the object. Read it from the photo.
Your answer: 4:36:23
